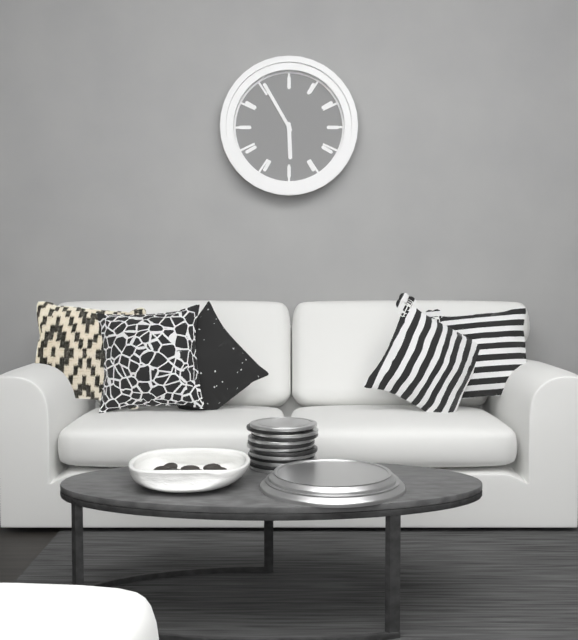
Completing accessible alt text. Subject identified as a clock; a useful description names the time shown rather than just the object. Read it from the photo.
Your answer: 5:55
